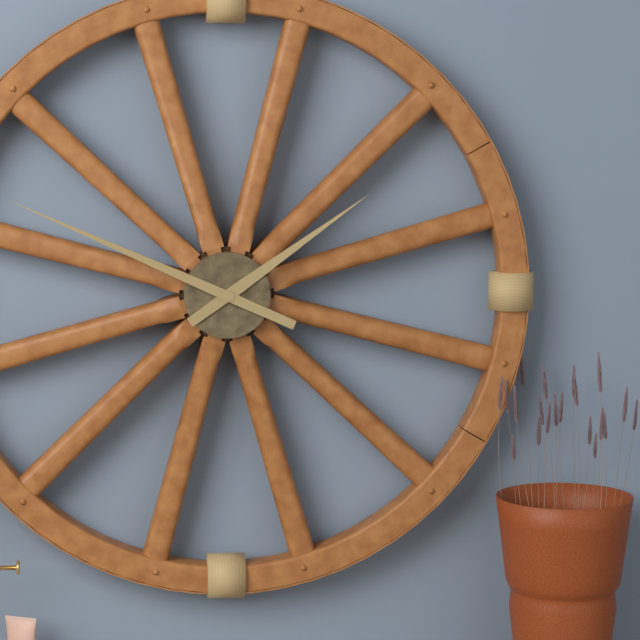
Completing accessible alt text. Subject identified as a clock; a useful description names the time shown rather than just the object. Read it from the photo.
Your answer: 1:49
